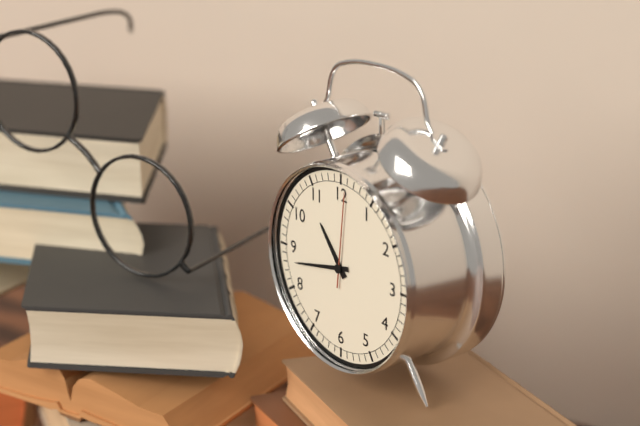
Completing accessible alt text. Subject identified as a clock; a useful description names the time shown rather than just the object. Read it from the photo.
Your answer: 10:43:01
